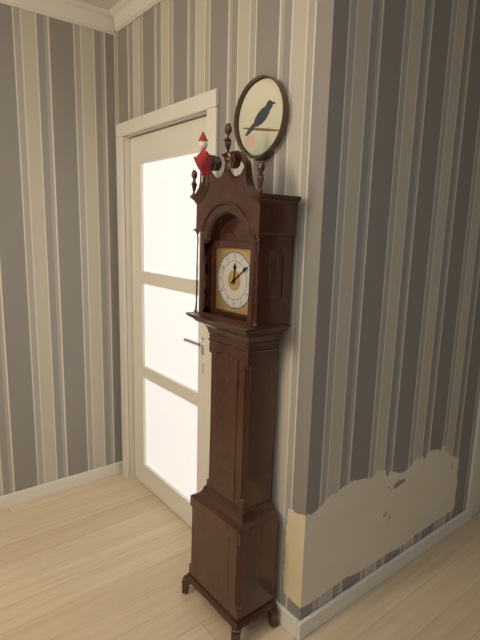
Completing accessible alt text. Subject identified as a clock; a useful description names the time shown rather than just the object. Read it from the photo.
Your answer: 12:09
